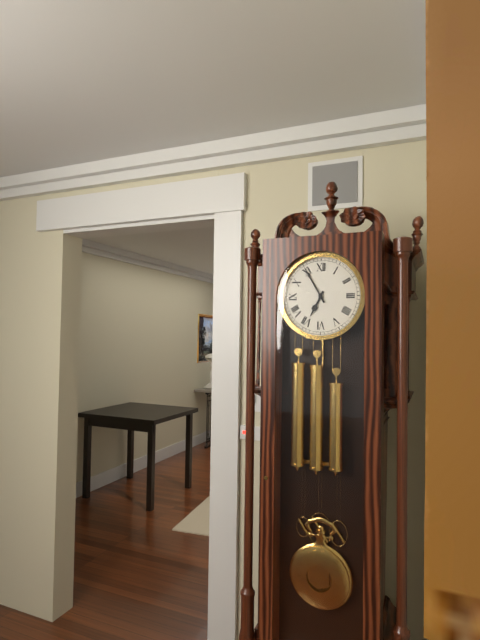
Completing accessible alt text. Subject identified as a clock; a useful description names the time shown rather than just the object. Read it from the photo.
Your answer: 6:55
